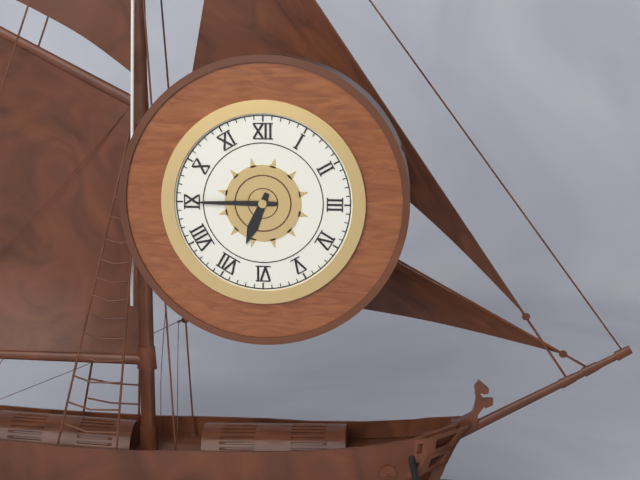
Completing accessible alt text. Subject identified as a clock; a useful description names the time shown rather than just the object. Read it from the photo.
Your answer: 6:45
